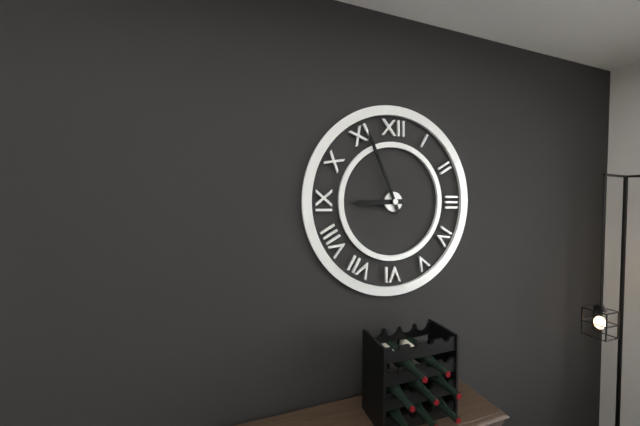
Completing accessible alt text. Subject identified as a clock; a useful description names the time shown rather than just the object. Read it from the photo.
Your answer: 8:56
